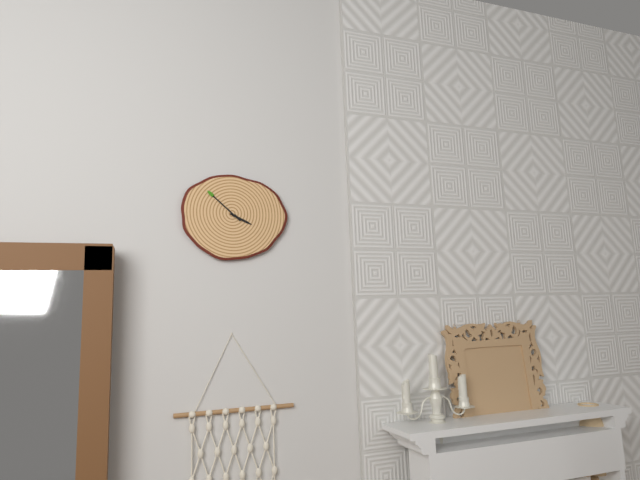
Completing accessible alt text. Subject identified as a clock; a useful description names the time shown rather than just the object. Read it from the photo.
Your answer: 3:52
